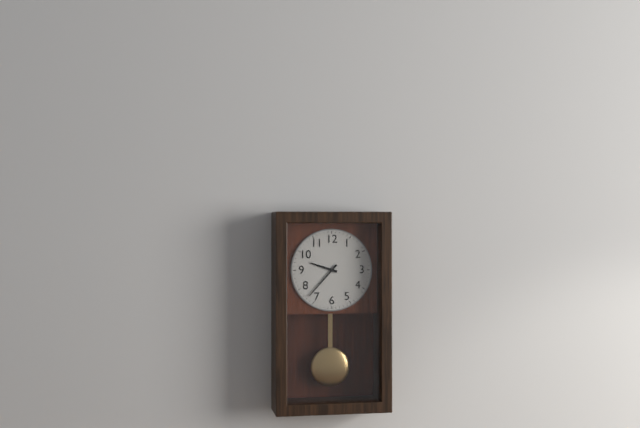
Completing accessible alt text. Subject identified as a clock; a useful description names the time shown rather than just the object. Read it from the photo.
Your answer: 9:37
